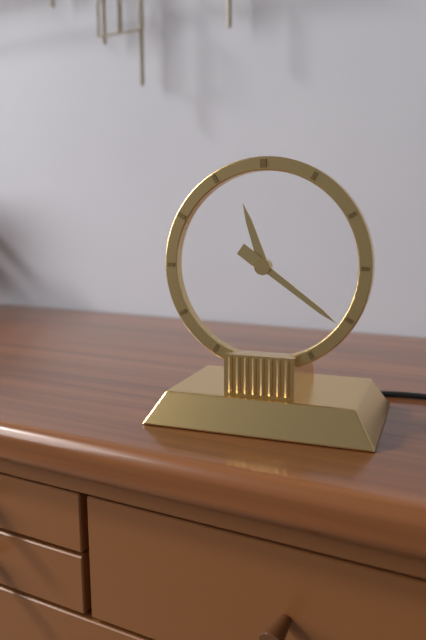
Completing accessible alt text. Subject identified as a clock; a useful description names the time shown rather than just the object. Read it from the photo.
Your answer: 11:21
